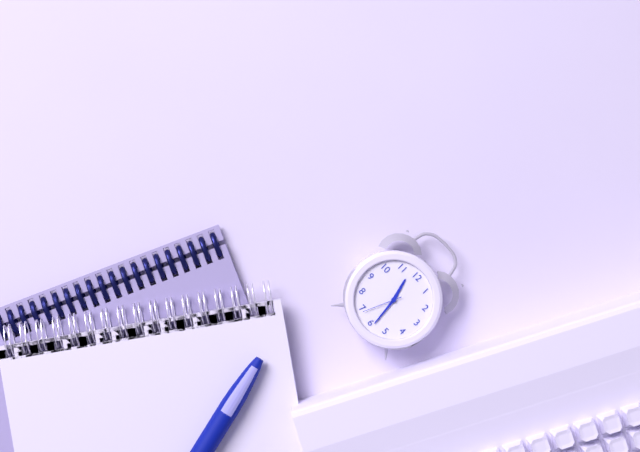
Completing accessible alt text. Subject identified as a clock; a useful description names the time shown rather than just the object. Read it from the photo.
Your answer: 11:29
